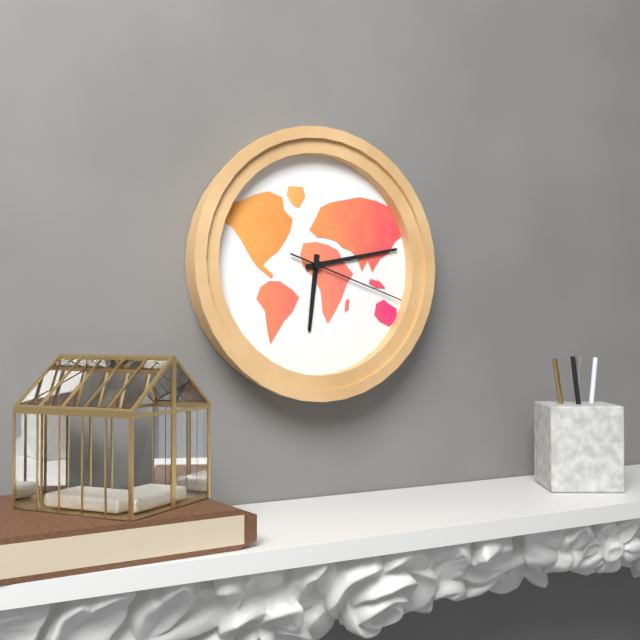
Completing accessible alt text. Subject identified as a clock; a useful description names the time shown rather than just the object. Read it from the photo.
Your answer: 6:13:18
